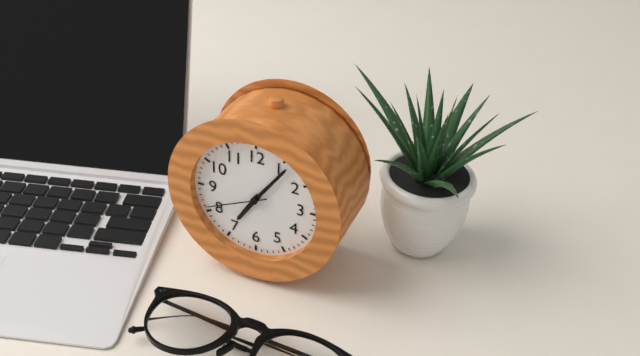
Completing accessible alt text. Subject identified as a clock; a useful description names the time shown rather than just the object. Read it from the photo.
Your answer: 7:06:41
